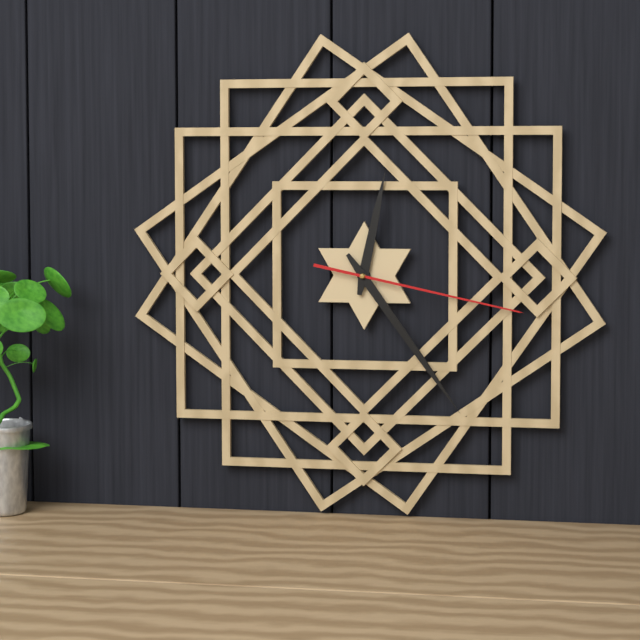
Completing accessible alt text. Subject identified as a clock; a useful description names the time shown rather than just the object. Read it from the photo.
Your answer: 12:24:17
